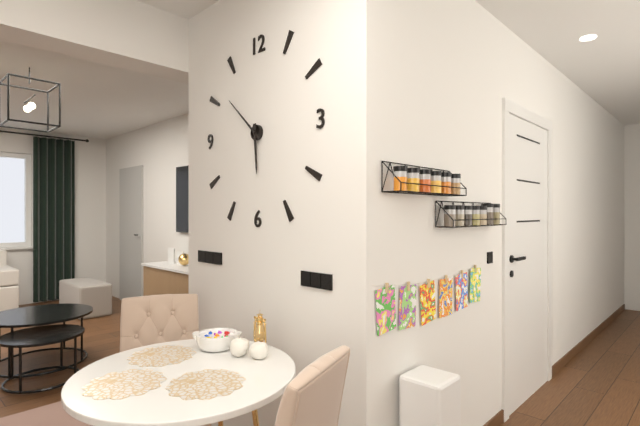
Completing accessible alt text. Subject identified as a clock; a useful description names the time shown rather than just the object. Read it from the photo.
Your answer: 5:52
